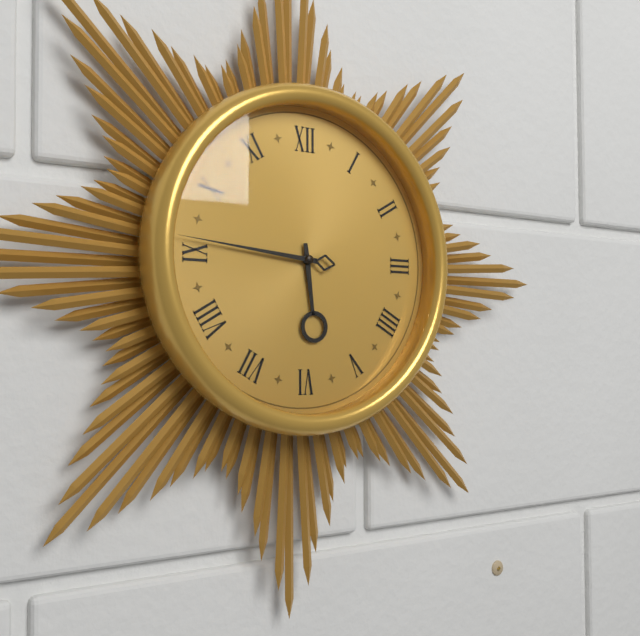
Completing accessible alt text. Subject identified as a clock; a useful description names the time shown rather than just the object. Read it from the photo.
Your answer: 5:46
